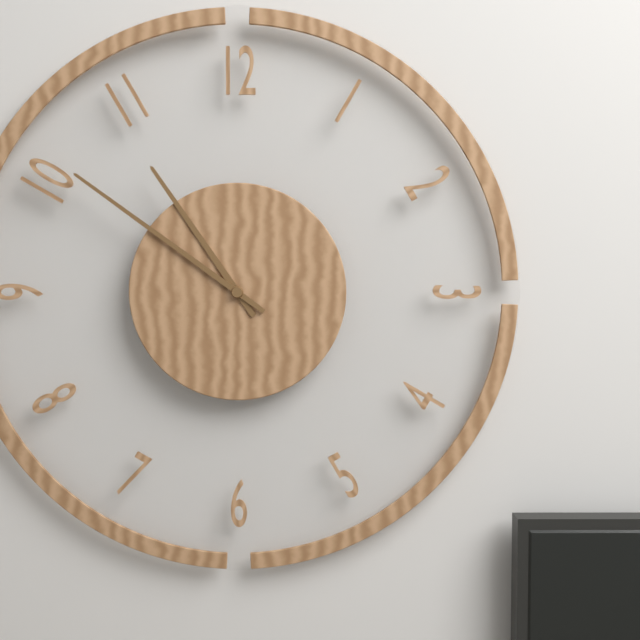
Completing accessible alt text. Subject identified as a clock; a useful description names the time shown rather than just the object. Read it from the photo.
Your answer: 10:51
